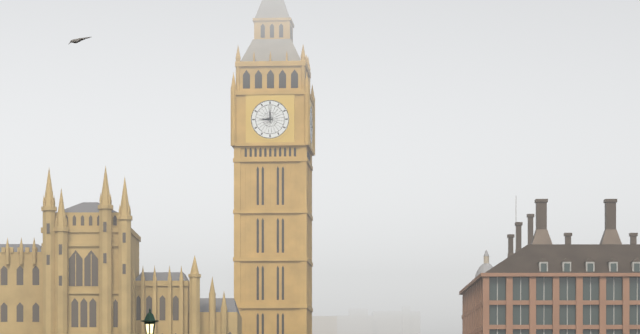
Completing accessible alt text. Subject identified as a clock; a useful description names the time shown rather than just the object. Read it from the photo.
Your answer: 9:00
